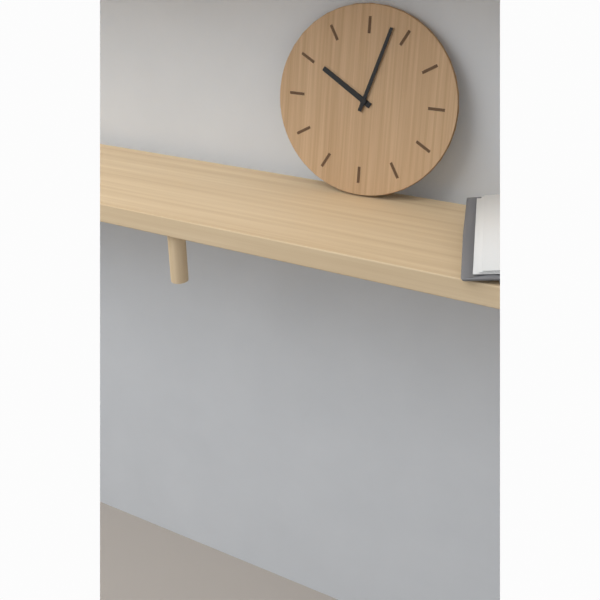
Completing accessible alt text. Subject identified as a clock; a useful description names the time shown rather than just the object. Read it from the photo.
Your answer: 10:03
